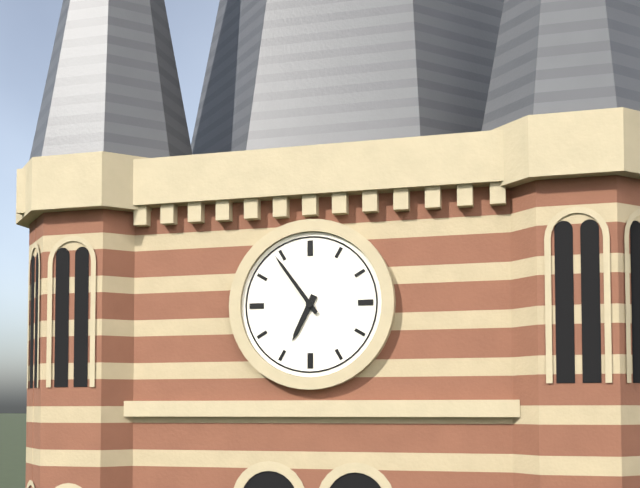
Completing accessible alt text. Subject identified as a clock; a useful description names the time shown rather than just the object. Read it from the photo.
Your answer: 6:54
